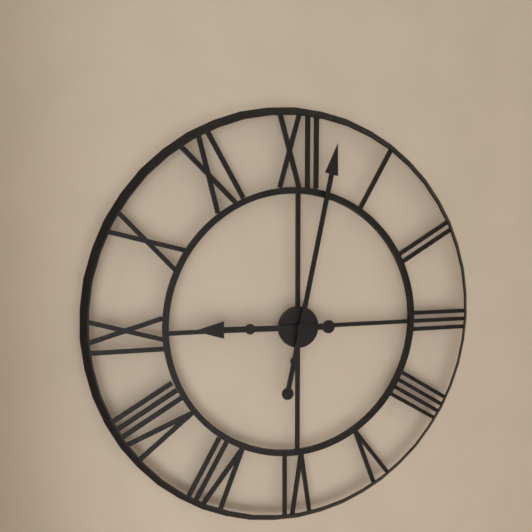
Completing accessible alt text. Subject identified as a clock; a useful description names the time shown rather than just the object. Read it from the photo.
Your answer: 9:02
